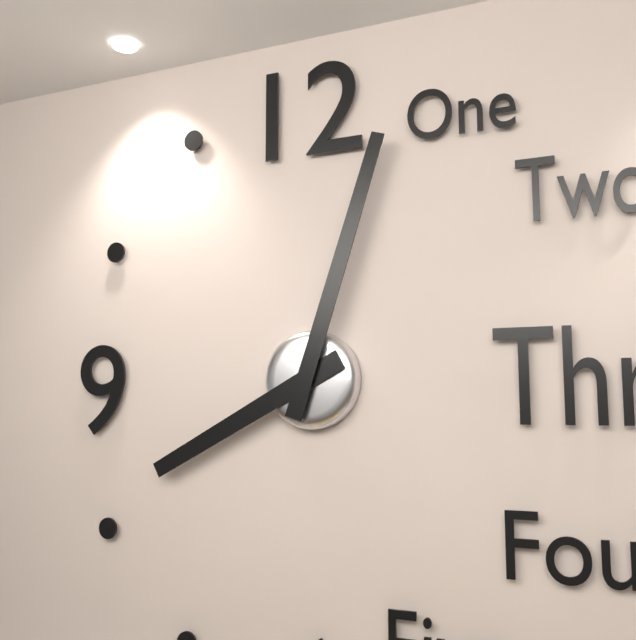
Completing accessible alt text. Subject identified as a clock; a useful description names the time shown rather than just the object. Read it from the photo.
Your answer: 8:03
